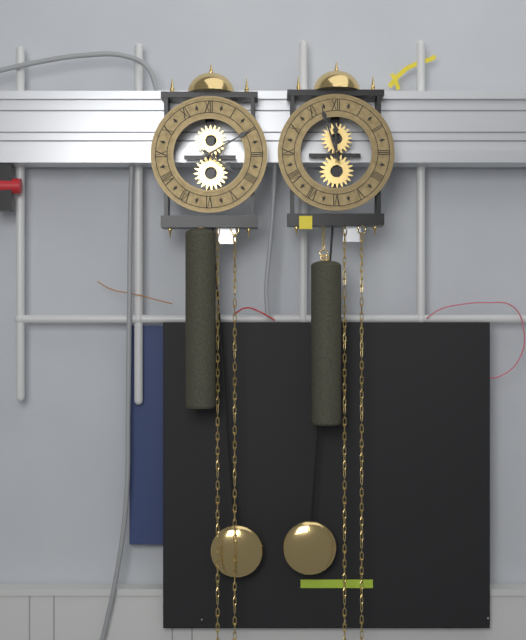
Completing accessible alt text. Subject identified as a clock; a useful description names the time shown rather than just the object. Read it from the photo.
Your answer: 4:10
